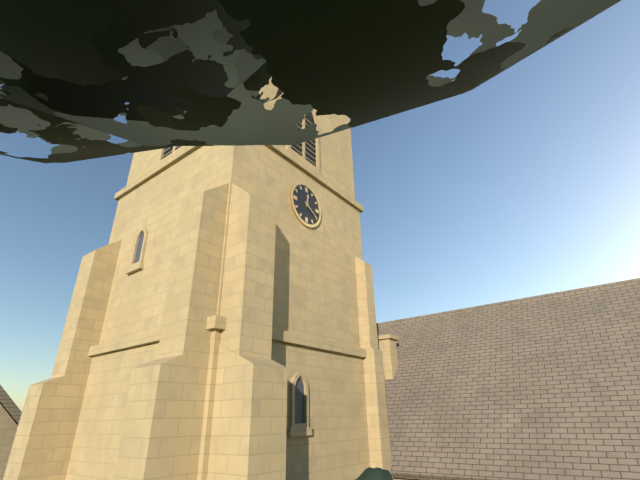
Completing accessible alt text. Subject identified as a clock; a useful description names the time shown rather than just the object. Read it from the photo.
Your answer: 12:20
